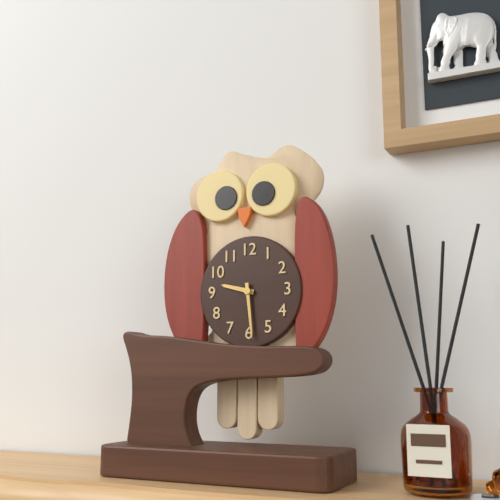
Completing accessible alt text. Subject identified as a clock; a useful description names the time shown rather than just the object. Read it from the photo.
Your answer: 9:29
